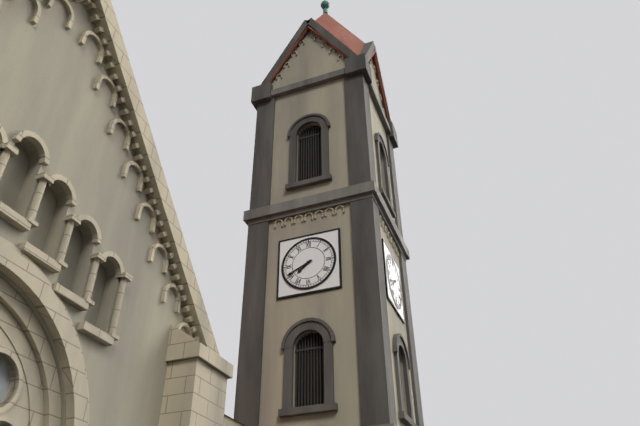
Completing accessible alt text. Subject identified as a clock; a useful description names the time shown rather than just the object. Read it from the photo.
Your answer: 7:41
